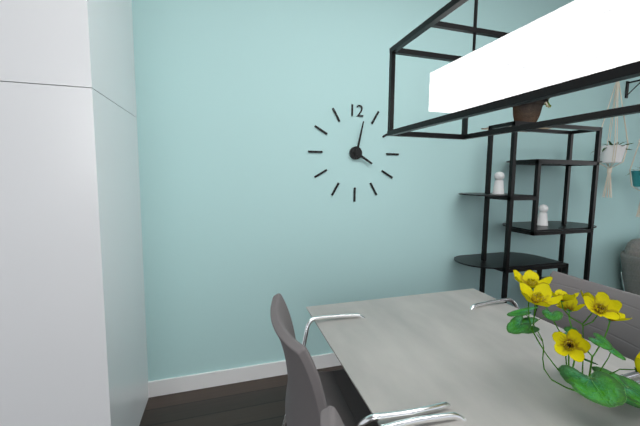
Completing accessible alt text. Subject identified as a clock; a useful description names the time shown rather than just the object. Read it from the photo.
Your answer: 4:02
